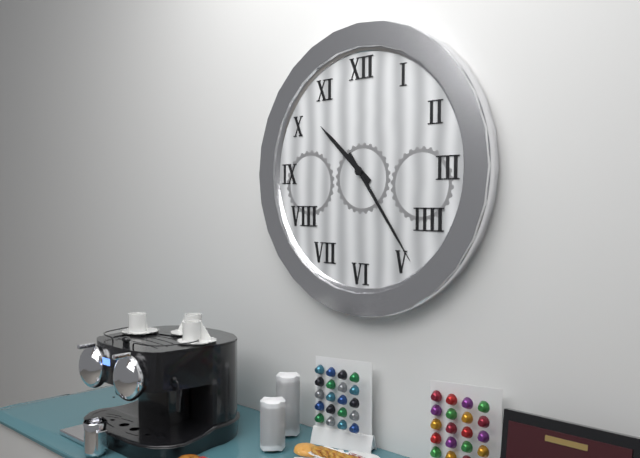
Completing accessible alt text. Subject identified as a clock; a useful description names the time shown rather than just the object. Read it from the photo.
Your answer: 10:24
